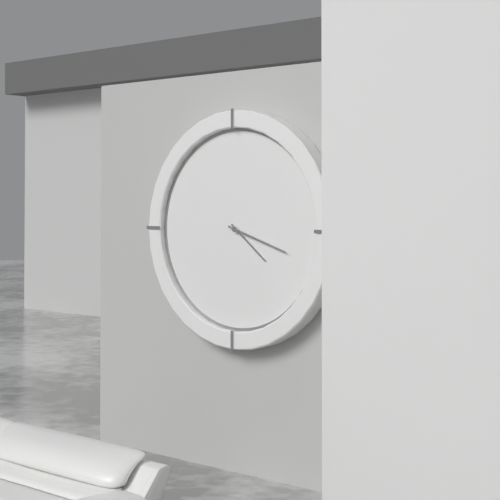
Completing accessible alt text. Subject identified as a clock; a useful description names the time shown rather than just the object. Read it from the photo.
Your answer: 4:18
